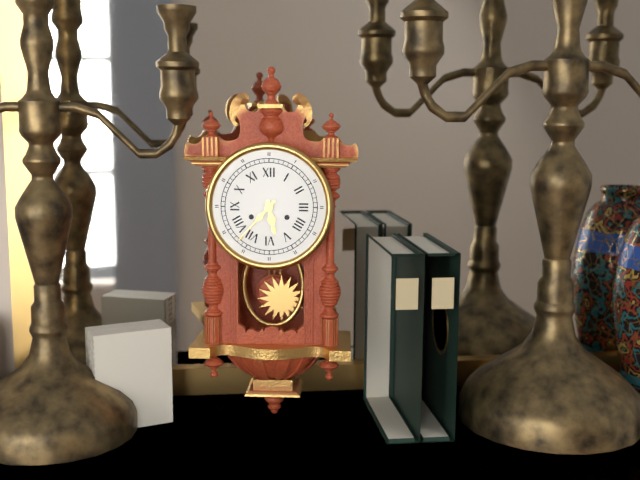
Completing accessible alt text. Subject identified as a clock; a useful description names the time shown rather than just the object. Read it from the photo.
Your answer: 5:37
